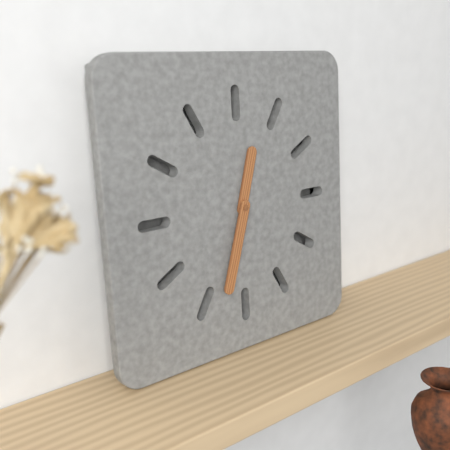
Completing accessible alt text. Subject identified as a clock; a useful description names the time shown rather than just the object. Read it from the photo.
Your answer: 12:33
